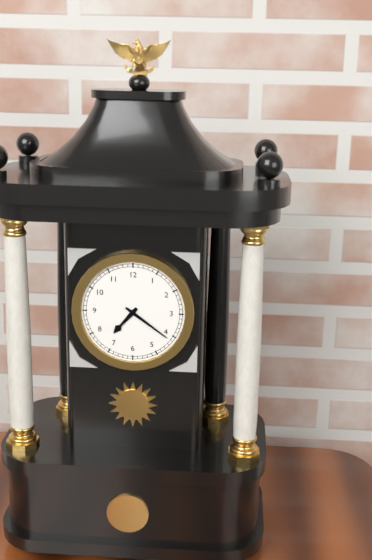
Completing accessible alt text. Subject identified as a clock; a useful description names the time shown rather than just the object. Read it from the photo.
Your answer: 7:21
